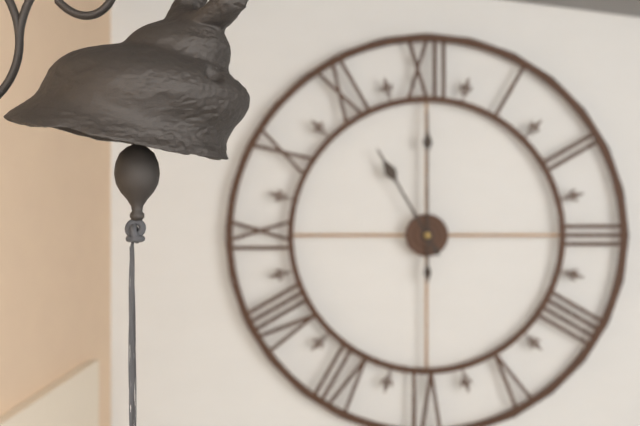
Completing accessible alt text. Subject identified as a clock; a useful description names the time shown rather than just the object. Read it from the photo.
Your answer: 11:00
